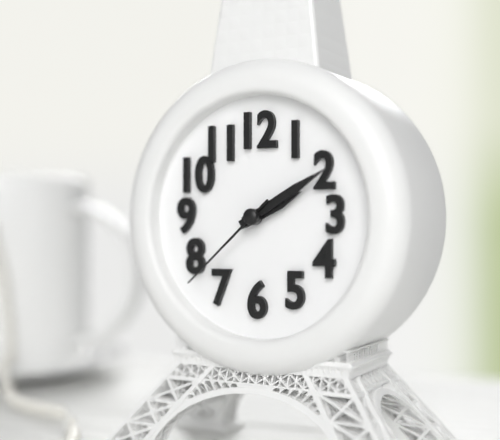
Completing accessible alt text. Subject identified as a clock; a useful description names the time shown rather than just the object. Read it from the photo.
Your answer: 2:10:38
